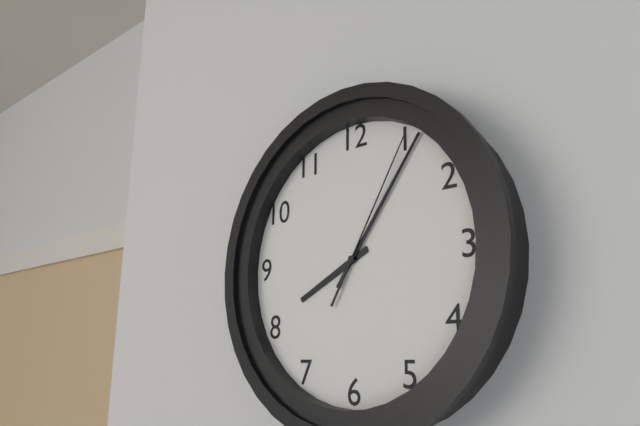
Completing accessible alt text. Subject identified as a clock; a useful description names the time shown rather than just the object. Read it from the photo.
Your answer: 8:06:05
